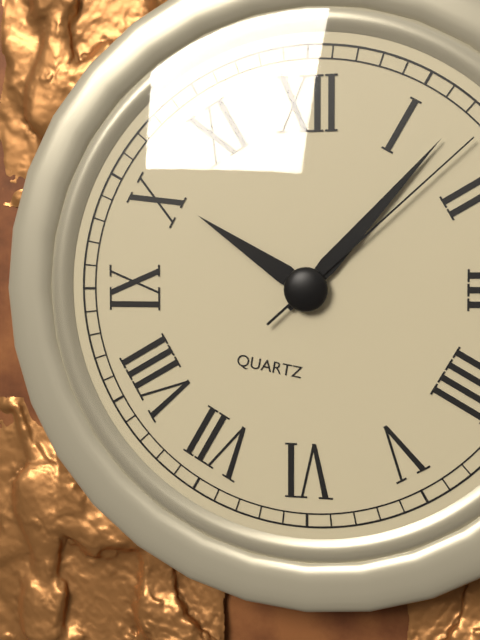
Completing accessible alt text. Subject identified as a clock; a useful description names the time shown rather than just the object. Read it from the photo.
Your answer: 10:07:08
